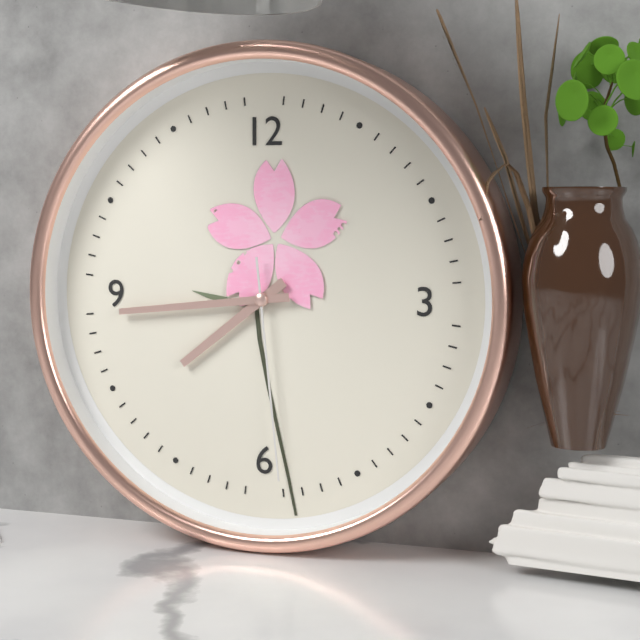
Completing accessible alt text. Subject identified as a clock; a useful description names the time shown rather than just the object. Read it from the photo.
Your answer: 7:44:29
